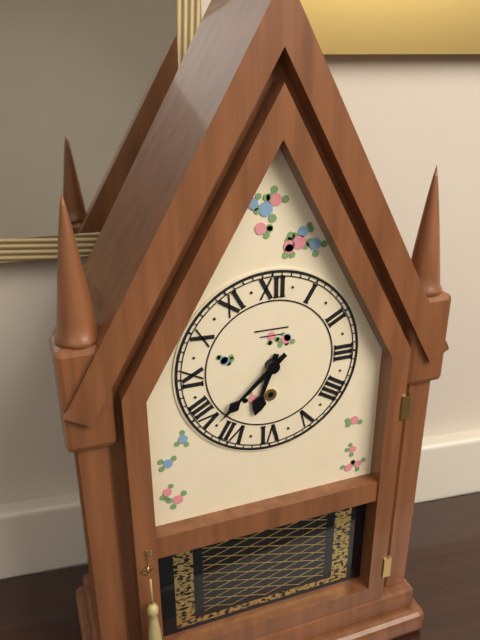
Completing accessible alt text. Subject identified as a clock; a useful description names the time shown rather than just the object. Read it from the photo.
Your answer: 6:38
